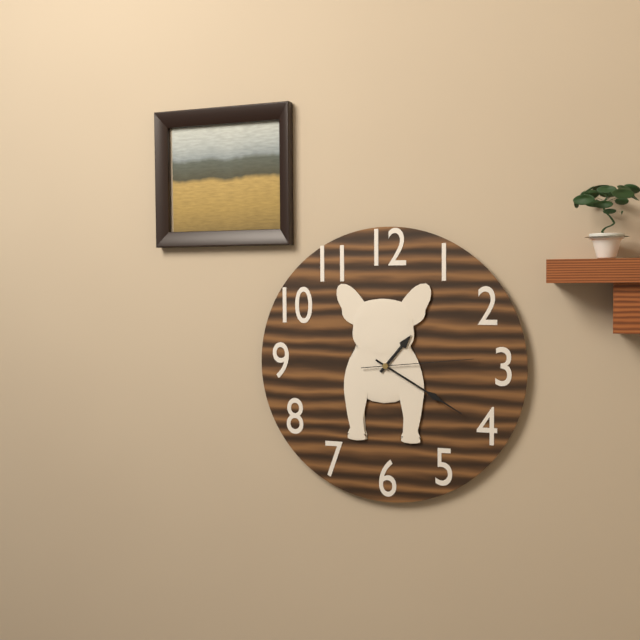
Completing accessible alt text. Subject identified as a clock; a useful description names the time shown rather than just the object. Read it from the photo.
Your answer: 1:20:14
